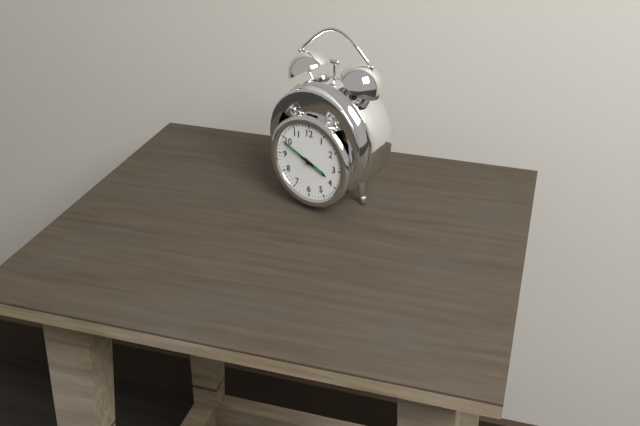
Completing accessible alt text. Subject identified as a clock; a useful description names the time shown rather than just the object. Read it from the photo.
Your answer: 3:49
